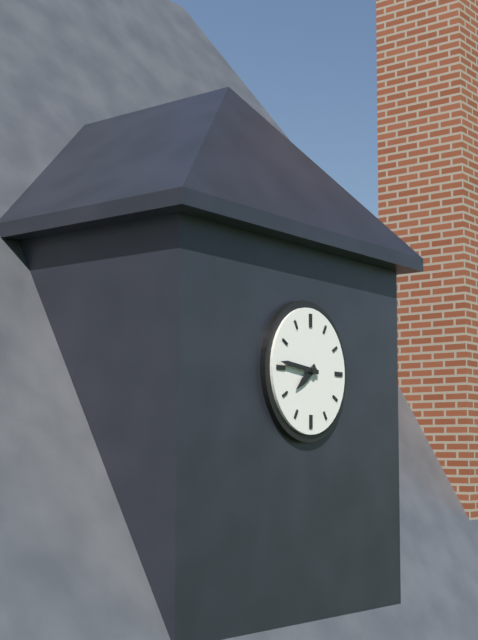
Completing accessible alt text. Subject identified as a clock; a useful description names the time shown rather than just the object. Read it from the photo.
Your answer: 7:46
